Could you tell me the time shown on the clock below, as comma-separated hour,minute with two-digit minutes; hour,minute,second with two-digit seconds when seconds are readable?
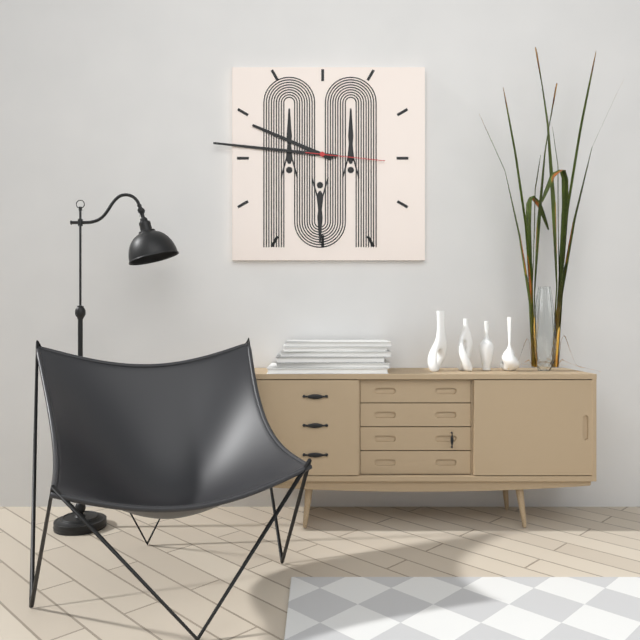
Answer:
9,46,16
